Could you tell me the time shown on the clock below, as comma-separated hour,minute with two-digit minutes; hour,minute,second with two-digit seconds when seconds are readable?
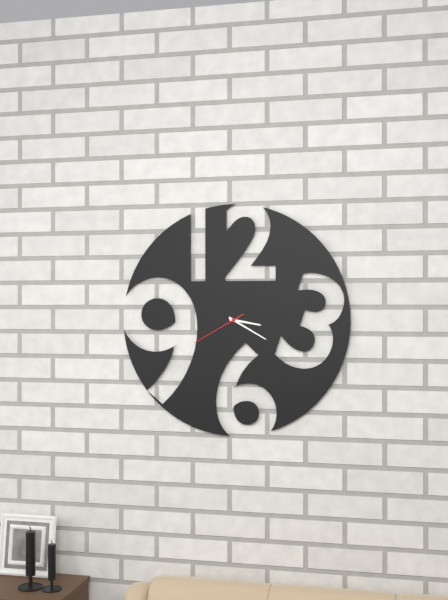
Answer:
3,20,40
